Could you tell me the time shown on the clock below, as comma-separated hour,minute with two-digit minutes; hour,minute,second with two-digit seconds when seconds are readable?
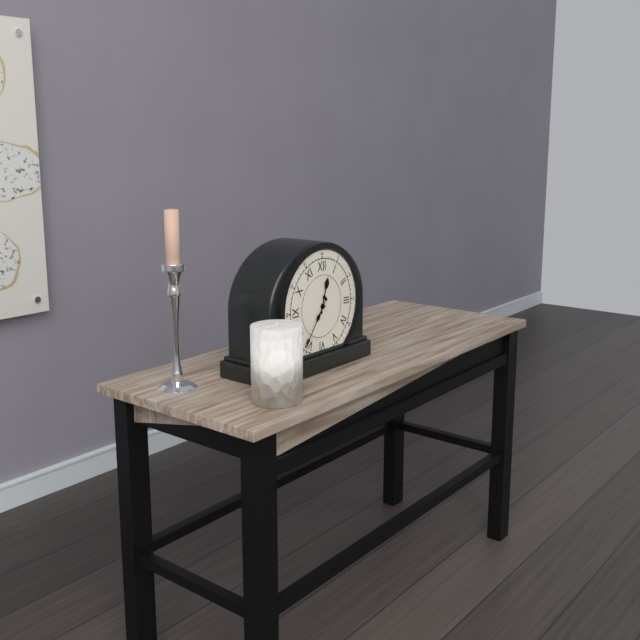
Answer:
12,36
